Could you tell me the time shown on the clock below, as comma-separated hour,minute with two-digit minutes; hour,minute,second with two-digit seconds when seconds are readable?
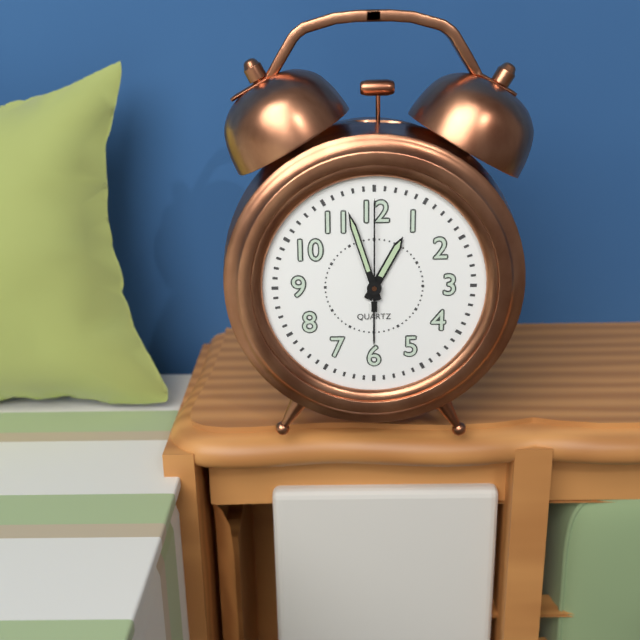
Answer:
12,57,00
